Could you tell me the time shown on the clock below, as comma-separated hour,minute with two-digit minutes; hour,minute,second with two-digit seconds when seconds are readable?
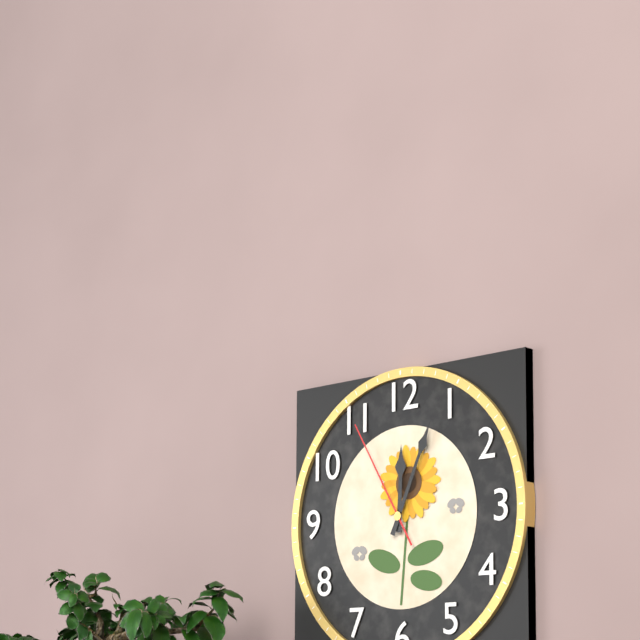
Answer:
12,04,55
